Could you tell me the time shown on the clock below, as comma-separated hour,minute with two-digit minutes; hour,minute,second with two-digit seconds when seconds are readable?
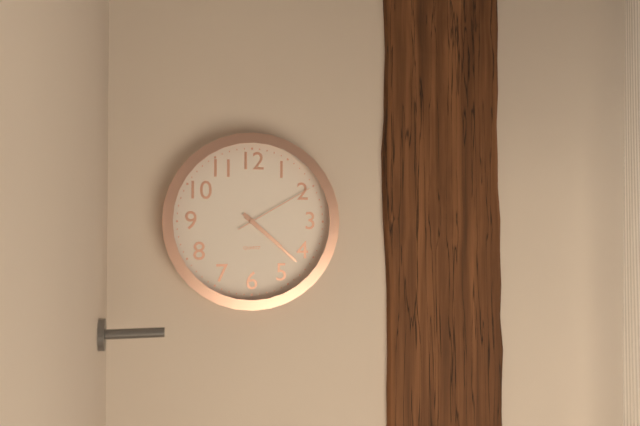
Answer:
4,22,10
